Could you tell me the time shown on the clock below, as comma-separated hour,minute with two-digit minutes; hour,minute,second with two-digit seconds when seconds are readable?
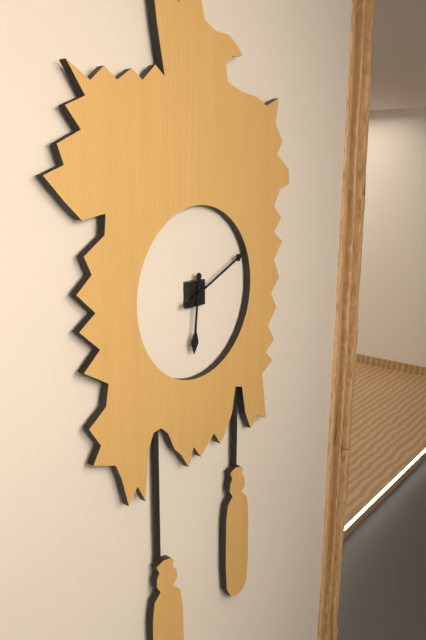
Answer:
6,11
